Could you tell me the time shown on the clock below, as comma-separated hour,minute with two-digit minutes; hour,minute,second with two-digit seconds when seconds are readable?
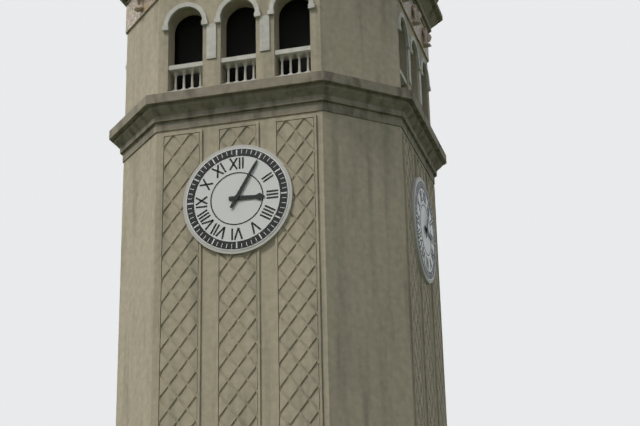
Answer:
3,05
